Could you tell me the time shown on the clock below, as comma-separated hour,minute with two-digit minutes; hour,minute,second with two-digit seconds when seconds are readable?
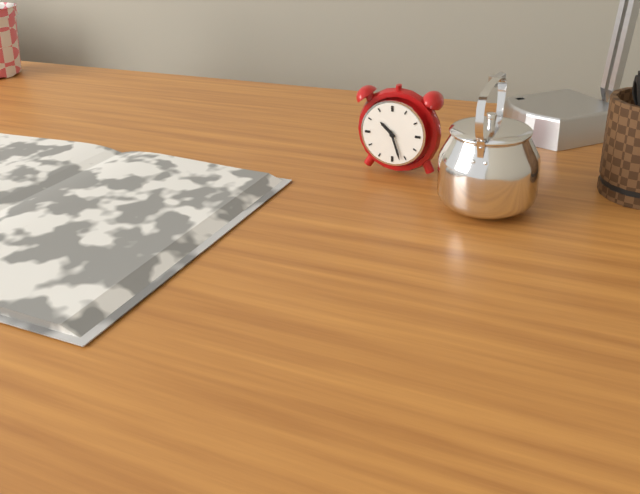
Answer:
10,27
